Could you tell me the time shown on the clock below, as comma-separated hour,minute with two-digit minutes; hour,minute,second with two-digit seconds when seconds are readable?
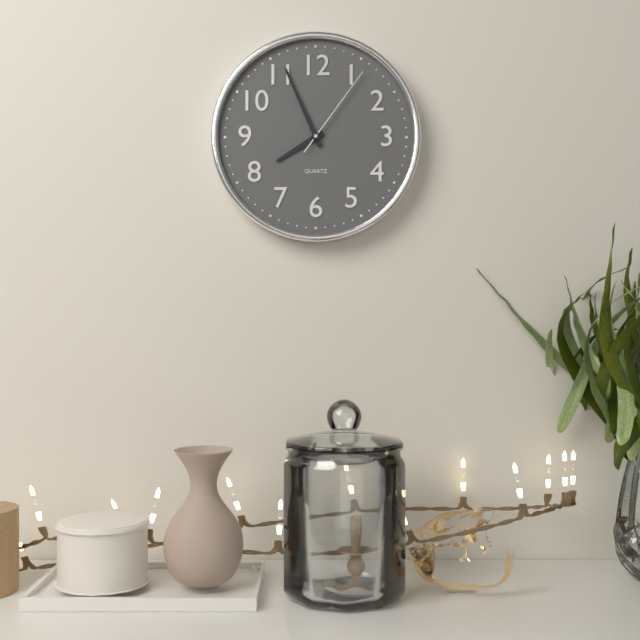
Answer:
7,56,06
